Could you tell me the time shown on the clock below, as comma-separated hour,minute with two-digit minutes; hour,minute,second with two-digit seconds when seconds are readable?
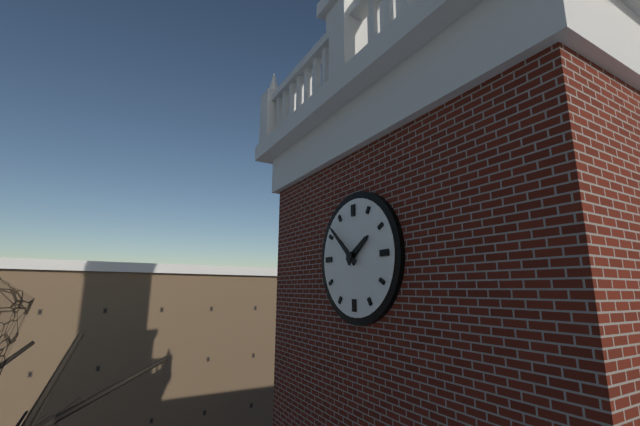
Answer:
1,52
